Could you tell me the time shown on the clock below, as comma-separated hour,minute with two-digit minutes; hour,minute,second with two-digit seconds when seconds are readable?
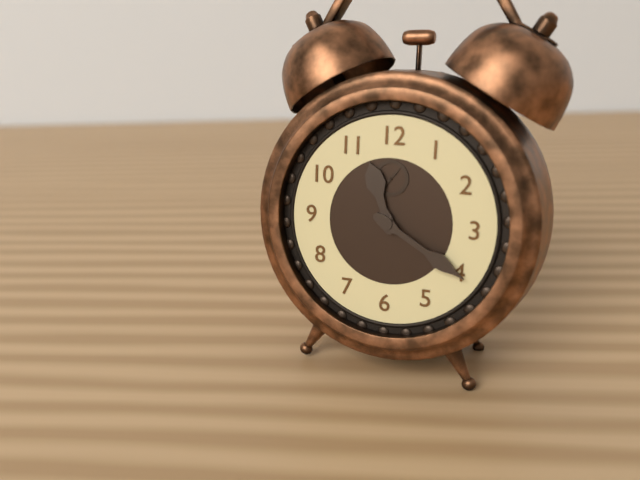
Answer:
11,20
